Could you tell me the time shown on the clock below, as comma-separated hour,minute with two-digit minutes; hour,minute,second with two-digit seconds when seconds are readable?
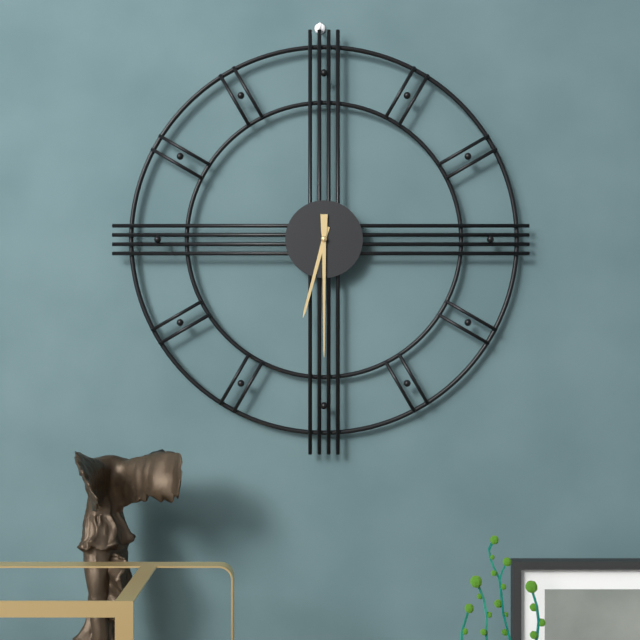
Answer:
6,30
